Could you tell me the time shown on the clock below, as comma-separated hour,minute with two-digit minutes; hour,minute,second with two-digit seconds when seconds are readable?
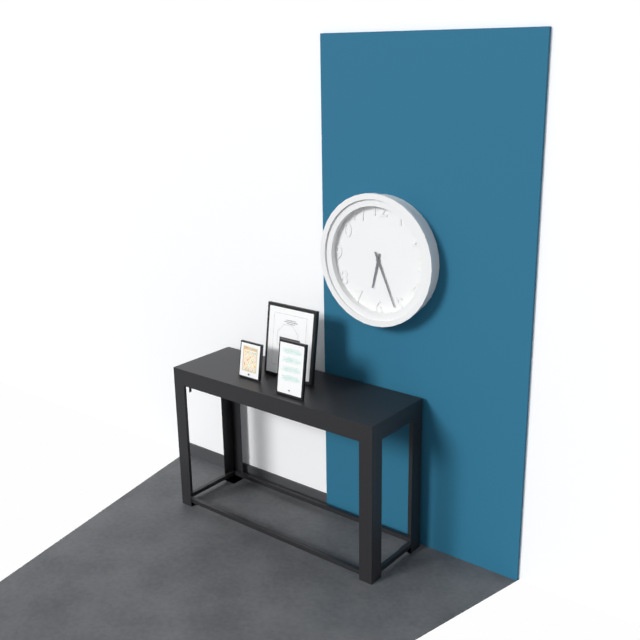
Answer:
6,26
